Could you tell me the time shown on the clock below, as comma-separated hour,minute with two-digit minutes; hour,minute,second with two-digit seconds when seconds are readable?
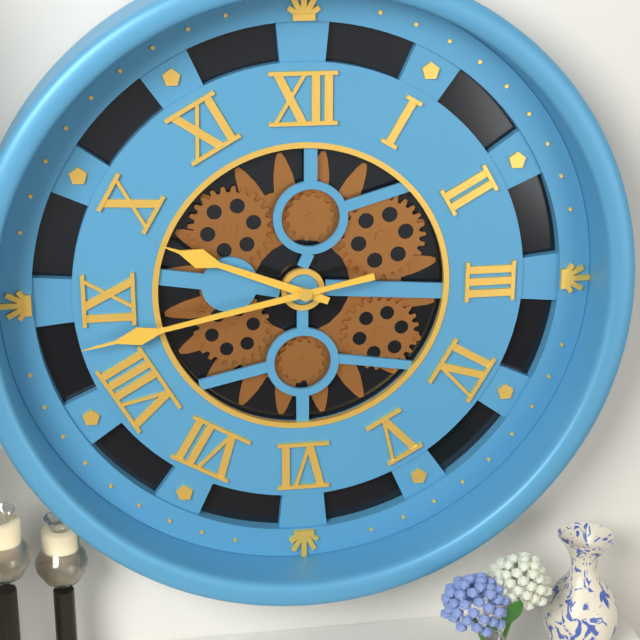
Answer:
9,43
